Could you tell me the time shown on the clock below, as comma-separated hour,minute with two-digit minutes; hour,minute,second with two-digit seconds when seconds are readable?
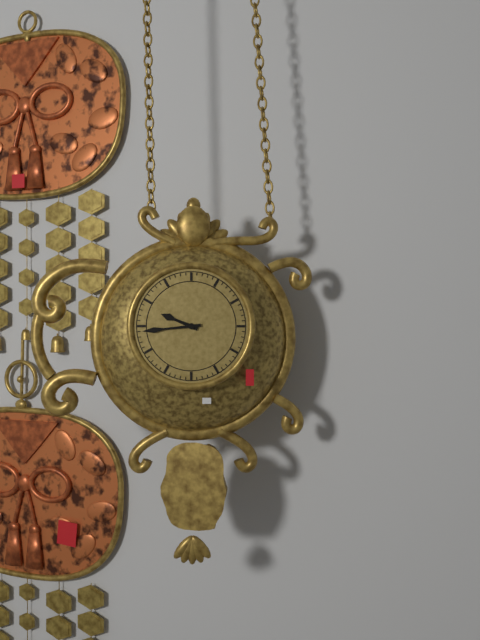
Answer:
9,44
